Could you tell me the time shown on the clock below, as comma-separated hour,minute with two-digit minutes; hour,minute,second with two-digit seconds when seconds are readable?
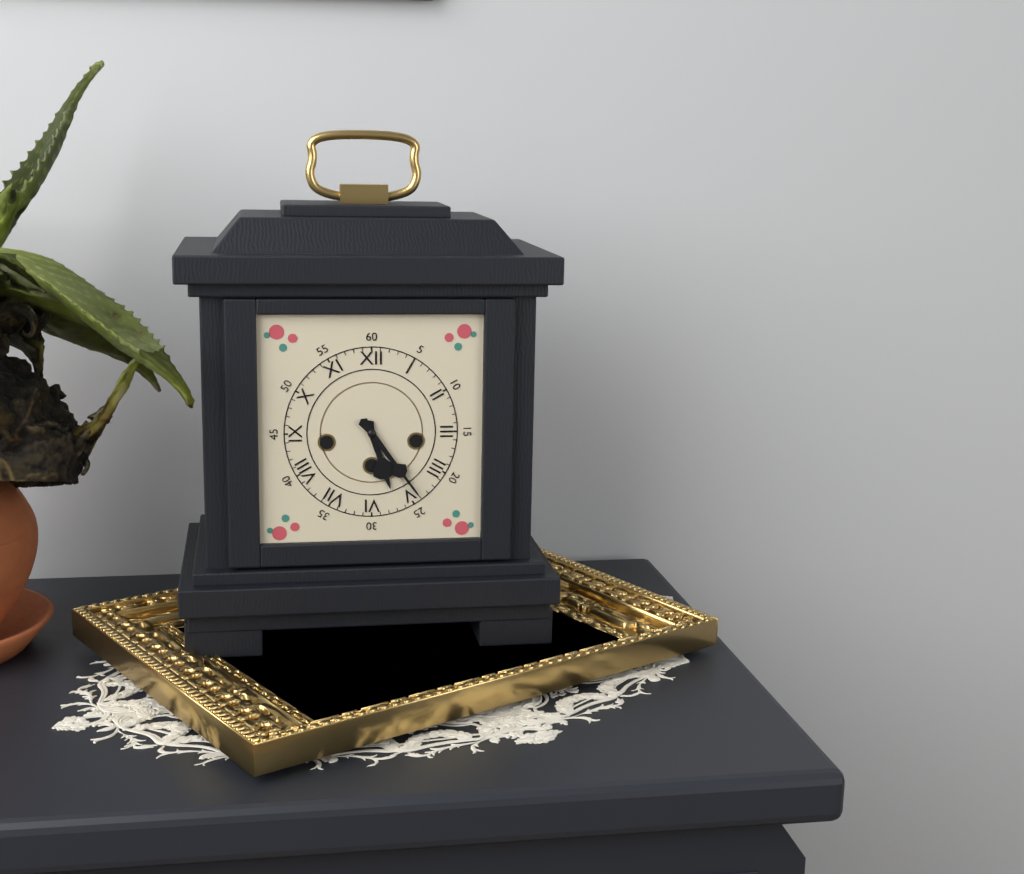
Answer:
5,24
